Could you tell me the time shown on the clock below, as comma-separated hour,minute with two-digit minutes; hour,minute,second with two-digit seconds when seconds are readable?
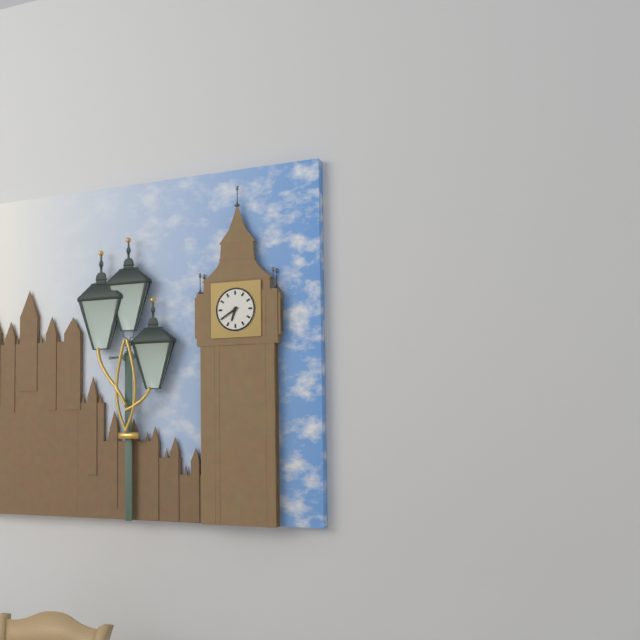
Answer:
6,40
